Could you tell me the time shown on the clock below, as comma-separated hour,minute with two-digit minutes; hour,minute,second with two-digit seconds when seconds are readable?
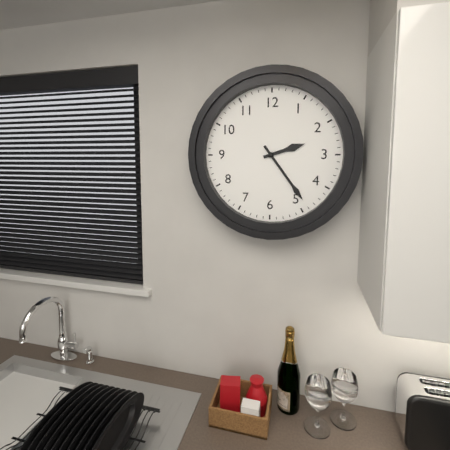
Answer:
2,24
